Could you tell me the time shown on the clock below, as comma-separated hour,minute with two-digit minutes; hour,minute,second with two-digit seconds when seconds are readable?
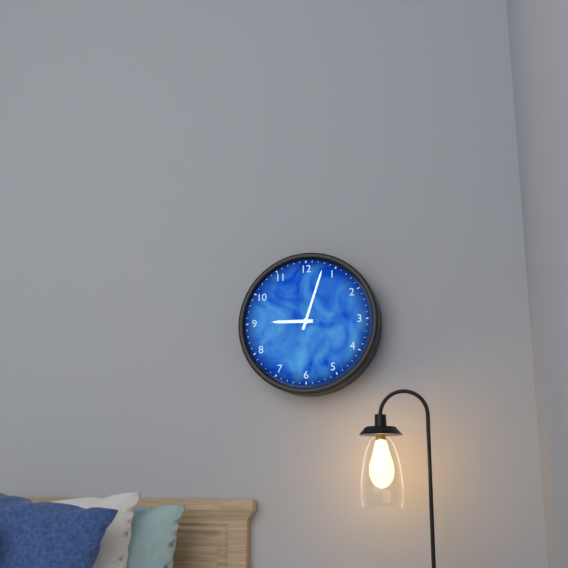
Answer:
9,03
